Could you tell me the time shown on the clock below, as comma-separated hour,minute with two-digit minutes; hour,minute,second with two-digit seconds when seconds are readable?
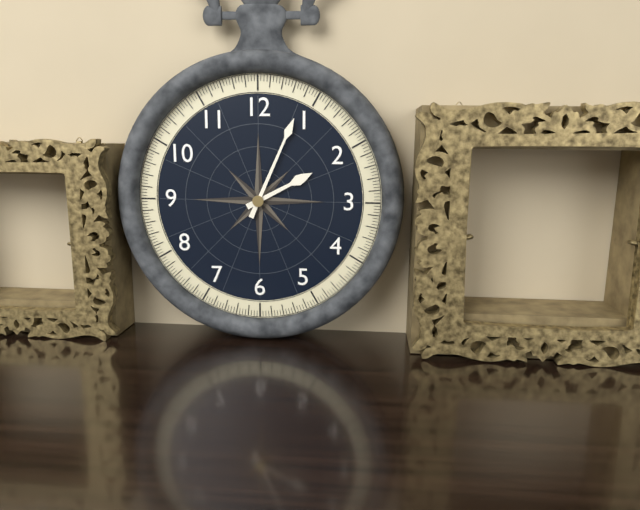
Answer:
2,04
